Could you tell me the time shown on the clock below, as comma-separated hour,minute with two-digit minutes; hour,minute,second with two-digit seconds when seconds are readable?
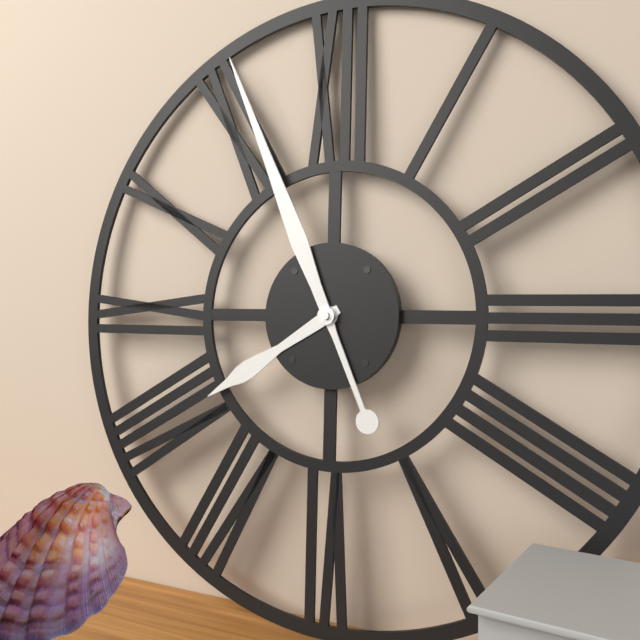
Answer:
7,56
